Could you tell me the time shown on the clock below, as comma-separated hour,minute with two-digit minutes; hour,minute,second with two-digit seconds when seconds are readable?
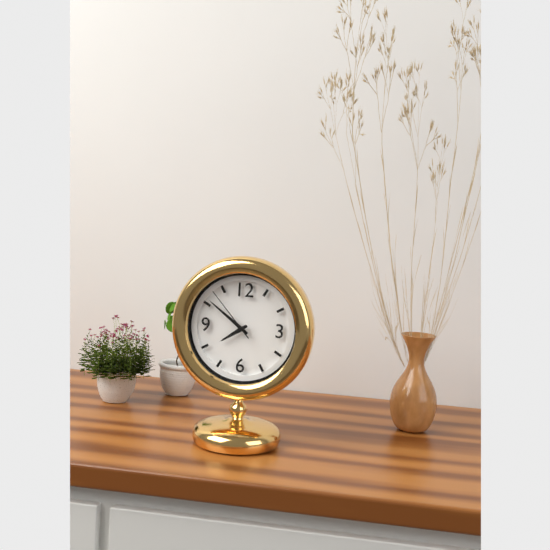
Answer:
7,51,53
